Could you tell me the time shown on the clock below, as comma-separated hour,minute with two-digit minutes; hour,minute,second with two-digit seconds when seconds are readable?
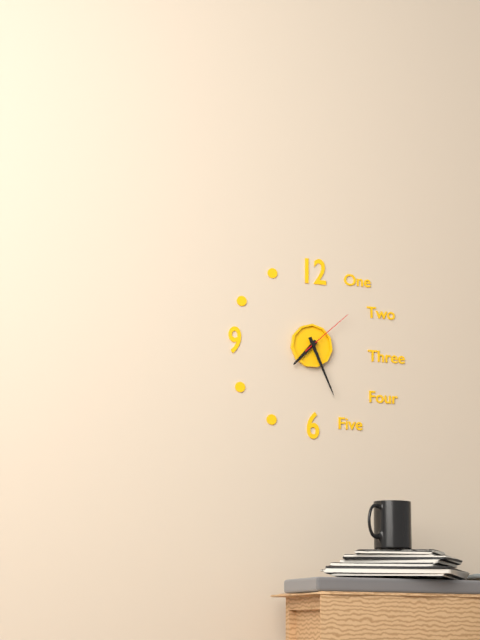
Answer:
7,26,08
